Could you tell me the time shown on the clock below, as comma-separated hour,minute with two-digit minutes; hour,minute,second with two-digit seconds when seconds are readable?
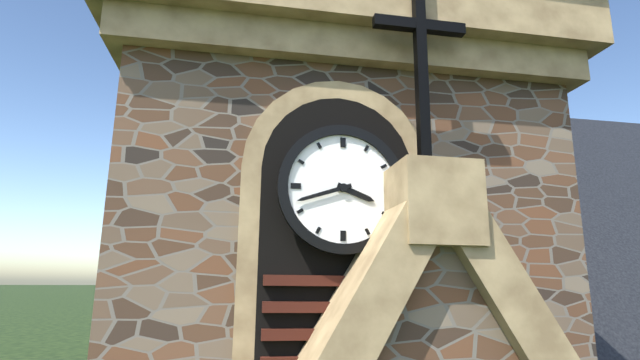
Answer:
3,42
